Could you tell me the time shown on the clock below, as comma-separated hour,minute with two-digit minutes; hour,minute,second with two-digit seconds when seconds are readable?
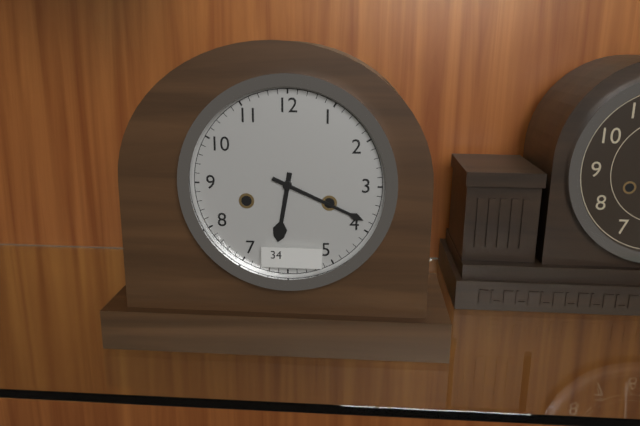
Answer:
6,19
